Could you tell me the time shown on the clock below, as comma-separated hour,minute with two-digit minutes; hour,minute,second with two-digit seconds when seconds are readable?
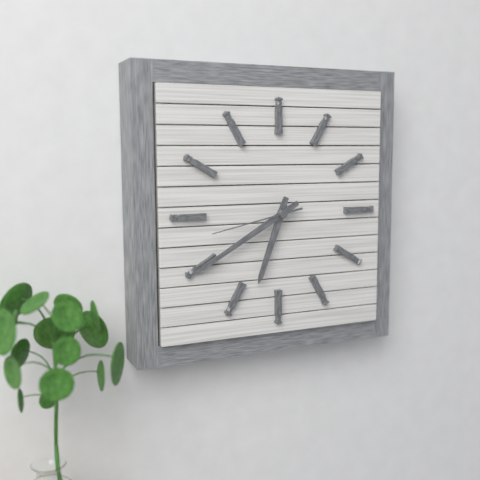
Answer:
6,40,43
